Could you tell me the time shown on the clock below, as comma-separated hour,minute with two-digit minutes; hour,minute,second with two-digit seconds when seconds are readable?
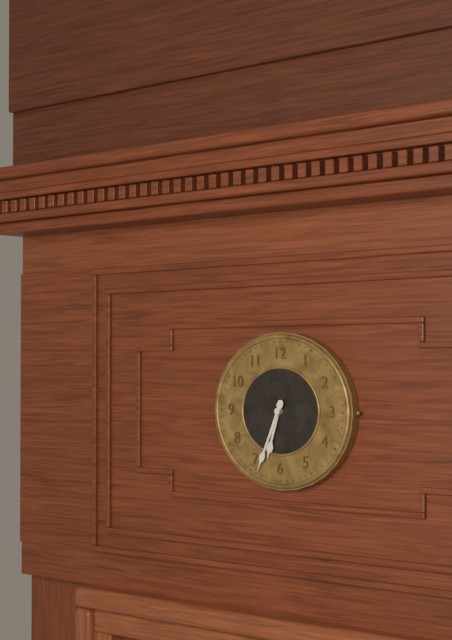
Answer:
6,34
